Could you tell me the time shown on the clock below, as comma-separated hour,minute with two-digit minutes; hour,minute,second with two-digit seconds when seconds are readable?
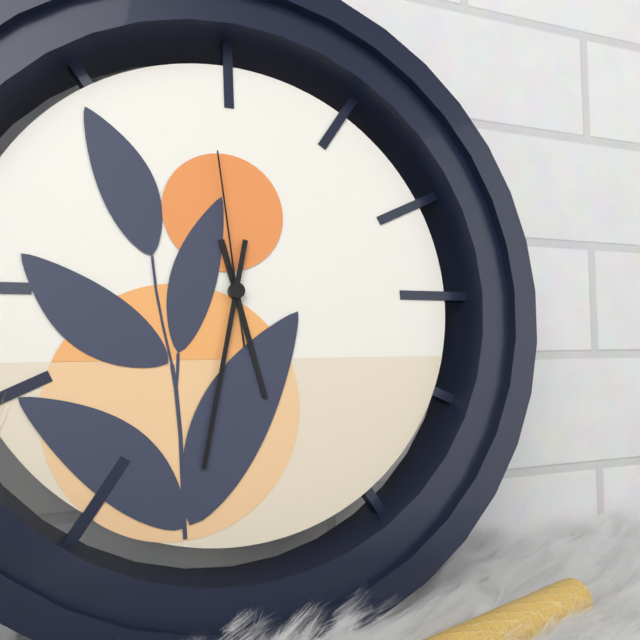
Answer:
5,32,59
